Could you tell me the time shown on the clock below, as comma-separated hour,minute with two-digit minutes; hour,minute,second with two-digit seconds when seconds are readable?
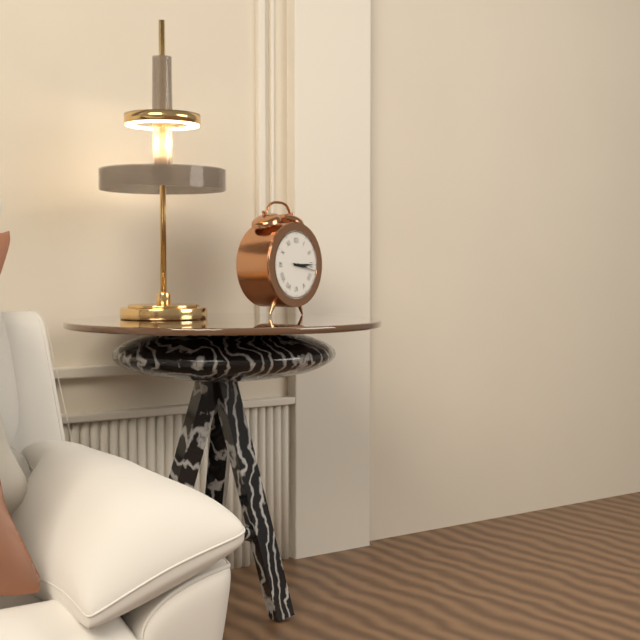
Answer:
3,15
